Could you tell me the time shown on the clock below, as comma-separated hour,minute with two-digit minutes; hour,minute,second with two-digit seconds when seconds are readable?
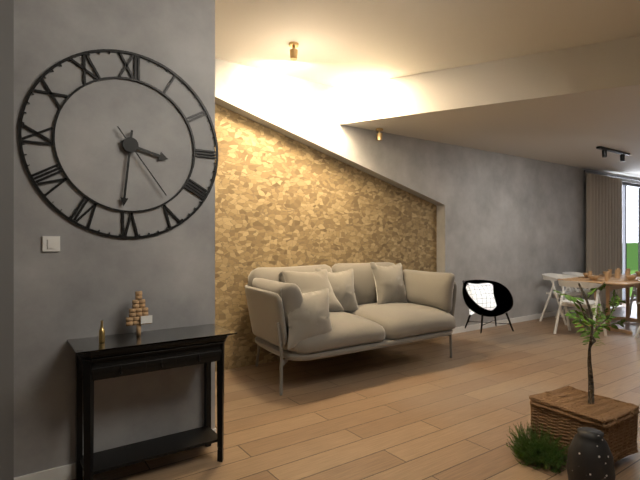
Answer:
3,31,24
